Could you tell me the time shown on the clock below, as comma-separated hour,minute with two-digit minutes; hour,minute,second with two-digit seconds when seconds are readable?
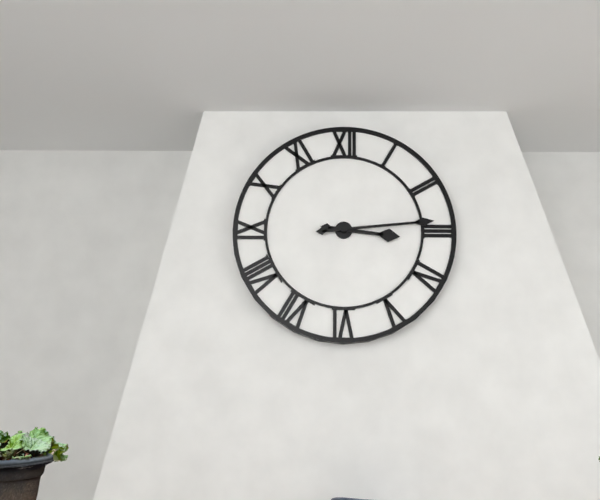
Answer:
3,14
